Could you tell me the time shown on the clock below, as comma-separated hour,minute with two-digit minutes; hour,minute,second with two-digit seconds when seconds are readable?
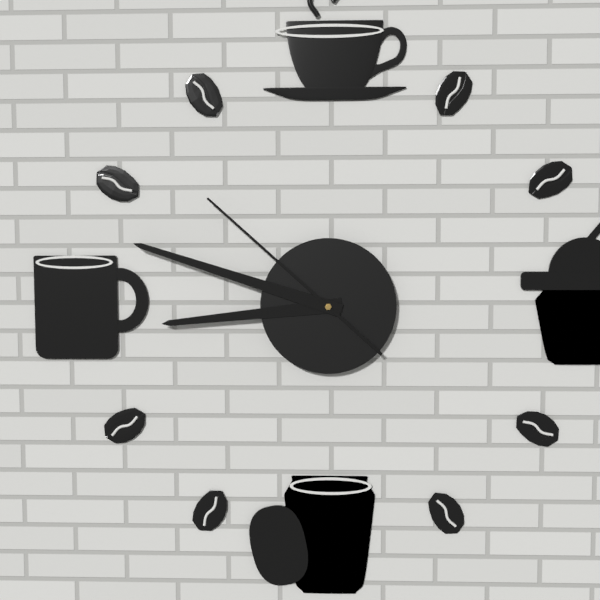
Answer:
8,48,52
